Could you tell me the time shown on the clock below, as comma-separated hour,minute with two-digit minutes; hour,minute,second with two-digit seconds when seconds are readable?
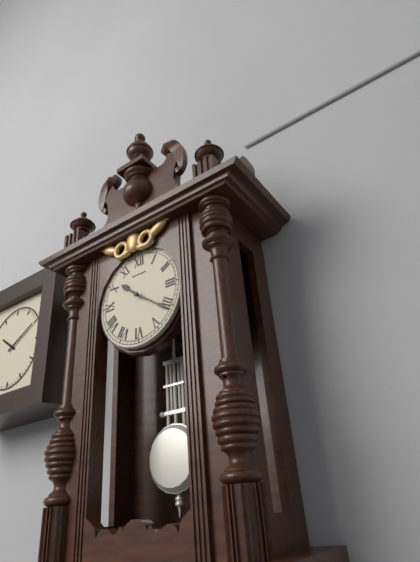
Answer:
10,21
